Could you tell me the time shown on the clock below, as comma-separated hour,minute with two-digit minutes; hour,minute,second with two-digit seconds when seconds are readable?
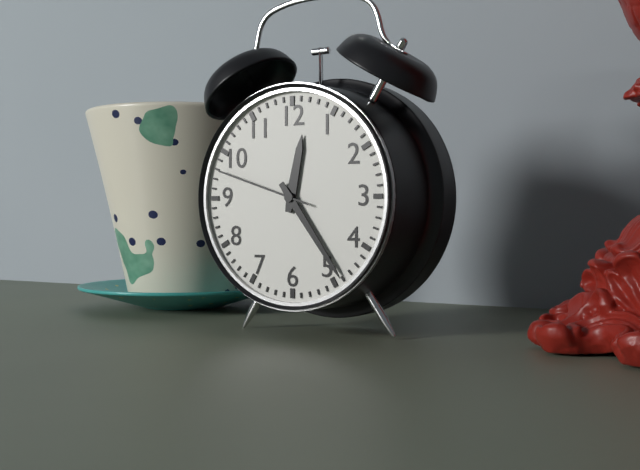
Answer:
12,24,48
